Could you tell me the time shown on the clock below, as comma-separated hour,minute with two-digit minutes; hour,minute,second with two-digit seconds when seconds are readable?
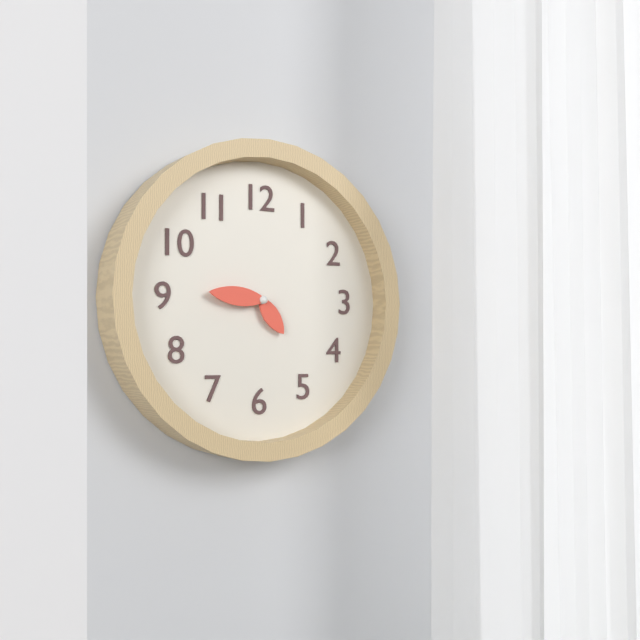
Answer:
4,46
